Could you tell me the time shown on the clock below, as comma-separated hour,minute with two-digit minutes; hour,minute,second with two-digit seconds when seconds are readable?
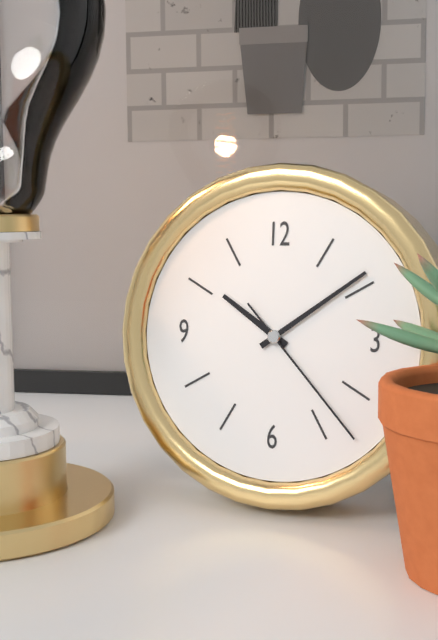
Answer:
10,09,23
